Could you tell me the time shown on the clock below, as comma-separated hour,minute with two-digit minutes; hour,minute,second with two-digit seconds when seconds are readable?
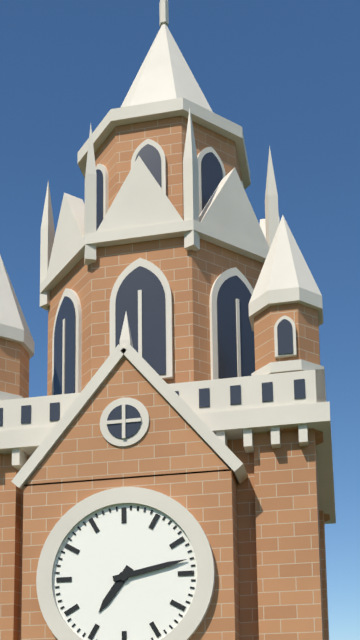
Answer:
7,13
